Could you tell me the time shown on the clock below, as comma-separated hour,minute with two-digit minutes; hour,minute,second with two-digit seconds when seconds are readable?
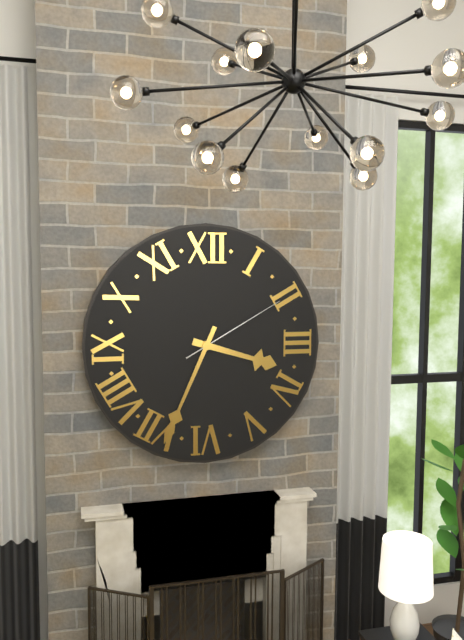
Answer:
3,34,10
